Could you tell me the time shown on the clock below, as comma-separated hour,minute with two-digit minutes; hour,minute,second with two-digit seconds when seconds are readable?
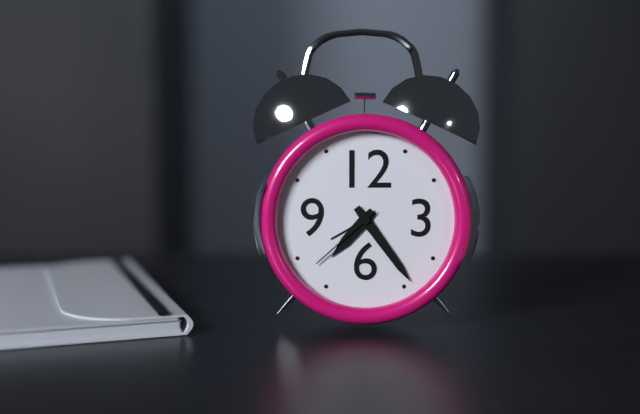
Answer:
7,24,38
